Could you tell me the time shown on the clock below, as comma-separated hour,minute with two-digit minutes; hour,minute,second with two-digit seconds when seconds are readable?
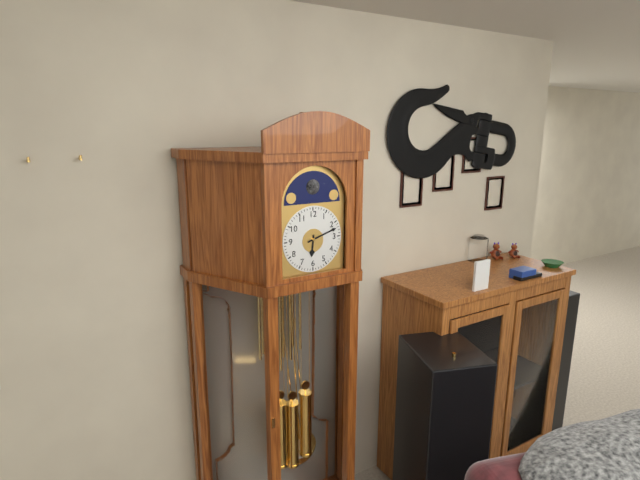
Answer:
6,12
